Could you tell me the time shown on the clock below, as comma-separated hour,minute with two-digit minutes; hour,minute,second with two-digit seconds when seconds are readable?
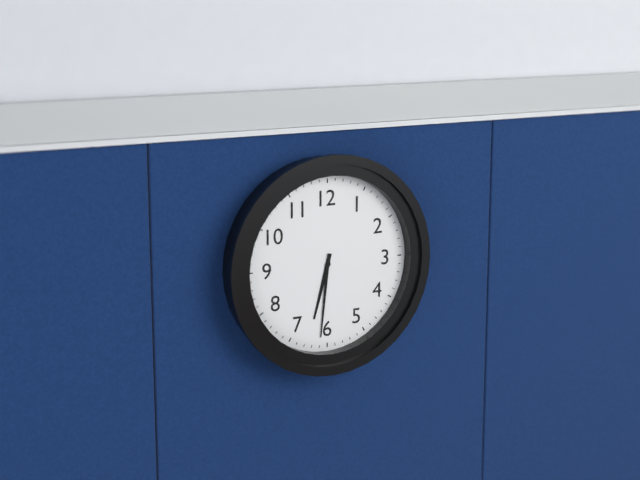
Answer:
6,31
